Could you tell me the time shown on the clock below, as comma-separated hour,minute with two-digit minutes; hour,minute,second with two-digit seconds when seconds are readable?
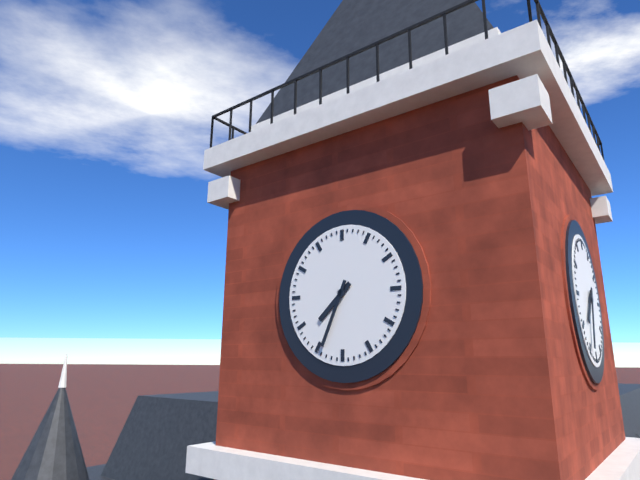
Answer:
7,34
